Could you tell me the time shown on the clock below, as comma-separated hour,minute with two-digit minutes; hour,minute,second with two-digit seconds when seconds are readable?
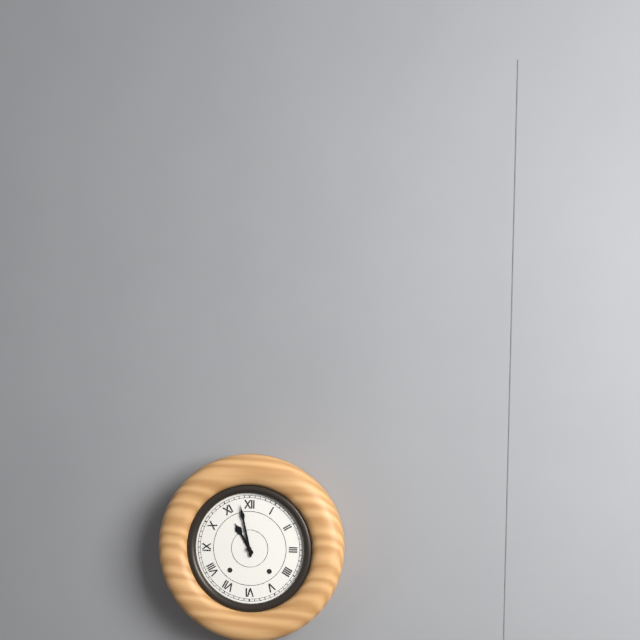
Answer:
10,58
